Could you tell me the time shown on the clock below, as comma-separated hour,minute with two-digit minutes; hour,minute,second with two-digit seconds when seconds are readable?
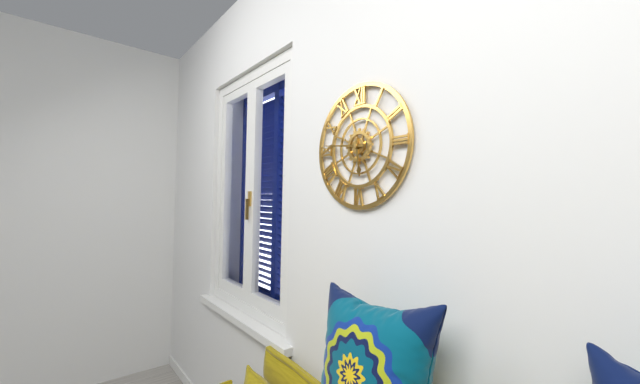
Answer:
5,46
